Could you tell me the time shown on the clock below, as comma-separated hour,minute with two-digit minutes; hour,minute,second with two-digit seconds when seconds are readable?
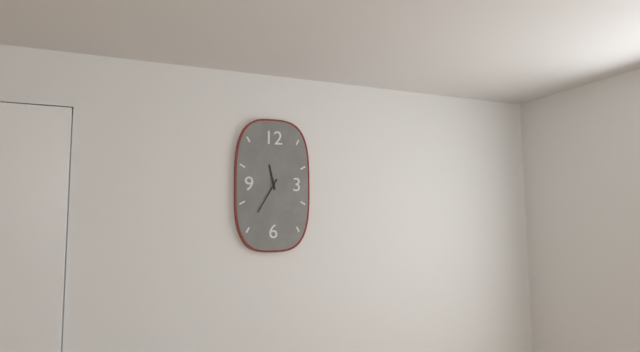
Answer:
11,35
